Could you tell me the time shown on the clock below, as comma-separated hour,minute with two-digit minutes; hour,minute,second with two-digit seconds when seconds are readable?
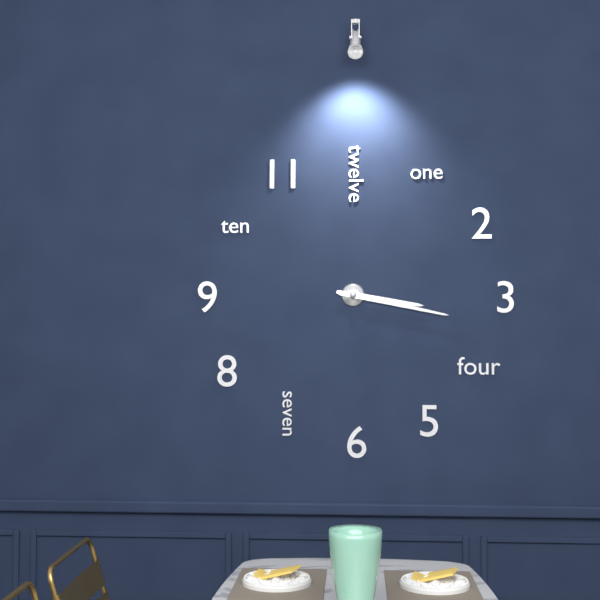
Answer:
3,17
